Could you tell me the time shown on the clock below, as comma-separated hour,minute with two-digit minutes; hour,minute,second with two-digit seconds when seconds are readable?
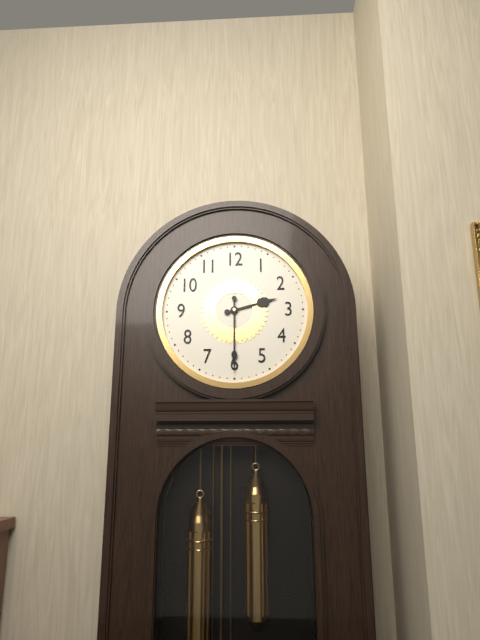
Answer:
2,30
